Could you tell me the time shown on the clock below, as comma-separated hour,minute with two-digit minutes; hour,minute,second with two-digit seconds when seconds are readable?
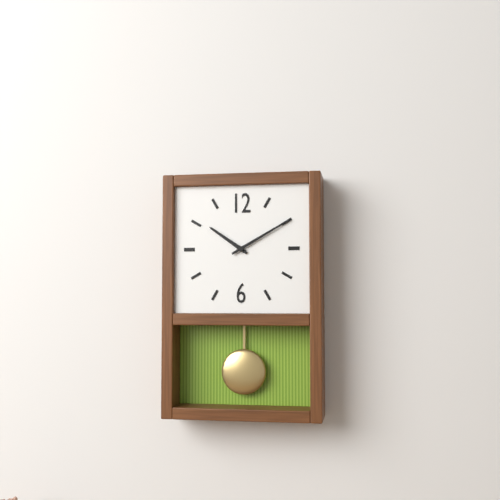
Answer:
10,10
